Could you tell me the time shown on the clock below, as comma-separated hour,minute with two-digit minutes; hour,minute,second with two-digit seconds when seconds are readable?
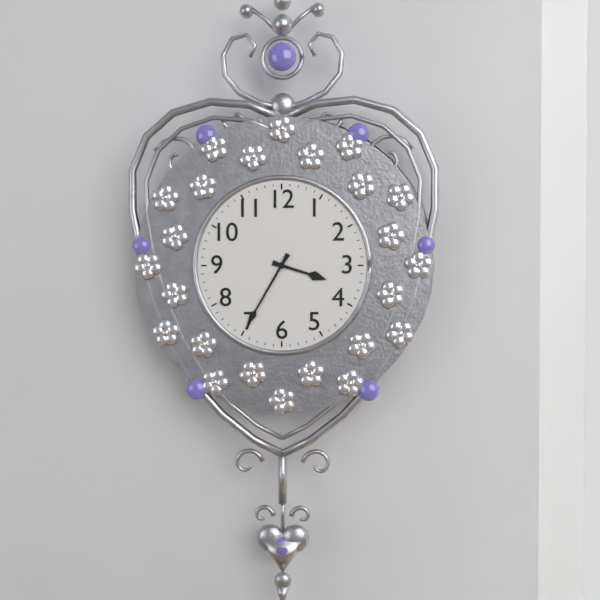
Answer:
3,35
